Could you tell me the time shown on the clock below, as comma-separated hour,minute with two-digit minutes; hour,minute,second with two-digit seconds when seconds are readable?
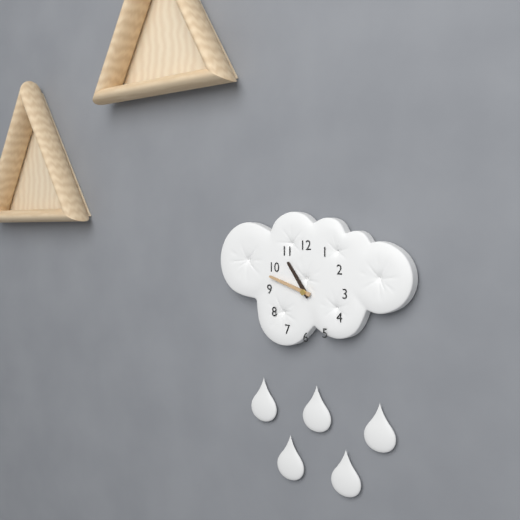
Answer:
10,48
